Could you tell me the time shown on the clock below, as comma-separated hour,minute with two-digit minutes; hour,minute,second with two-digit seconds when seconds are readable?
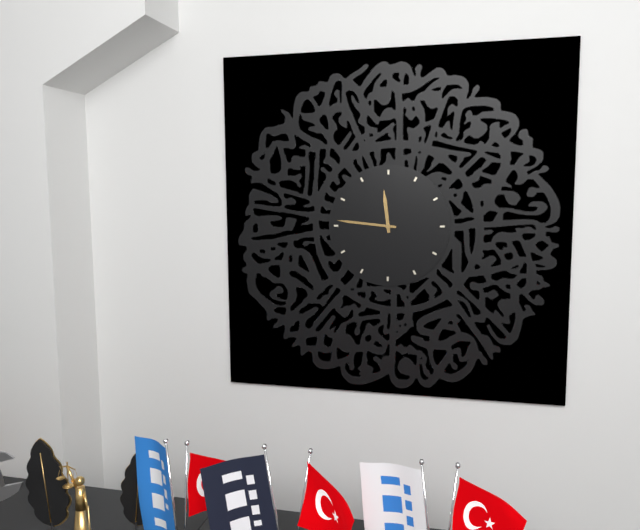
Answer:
11,46
